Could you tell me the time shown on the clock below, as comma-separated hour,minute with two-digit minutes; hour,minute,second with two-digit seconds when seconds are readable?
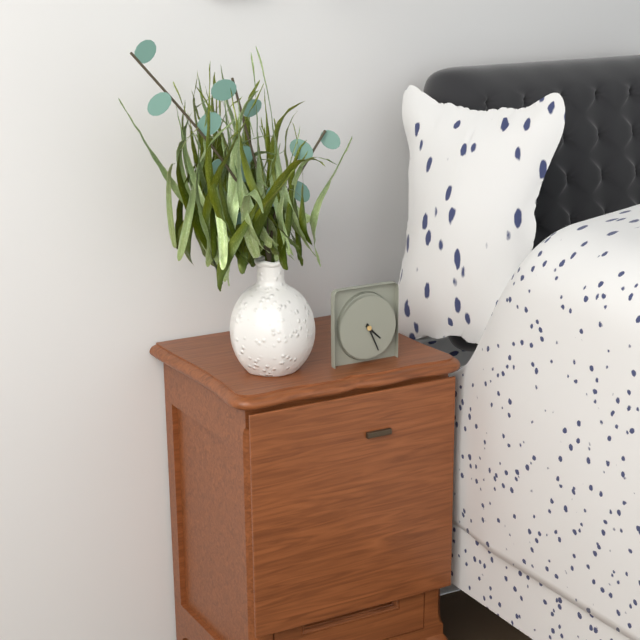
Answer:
4,26
